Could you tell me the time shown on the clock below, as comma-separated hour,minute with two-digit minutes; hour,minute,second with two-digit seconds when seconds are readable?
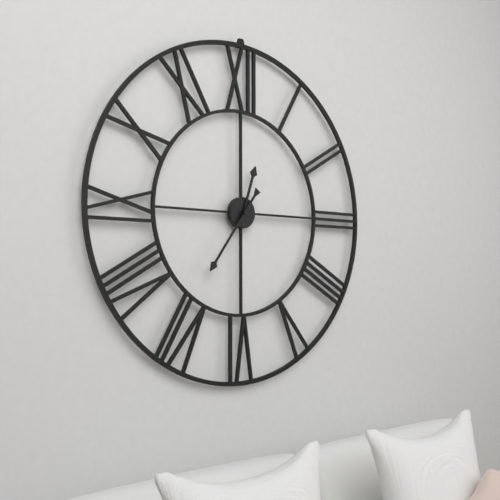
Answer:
12,36
